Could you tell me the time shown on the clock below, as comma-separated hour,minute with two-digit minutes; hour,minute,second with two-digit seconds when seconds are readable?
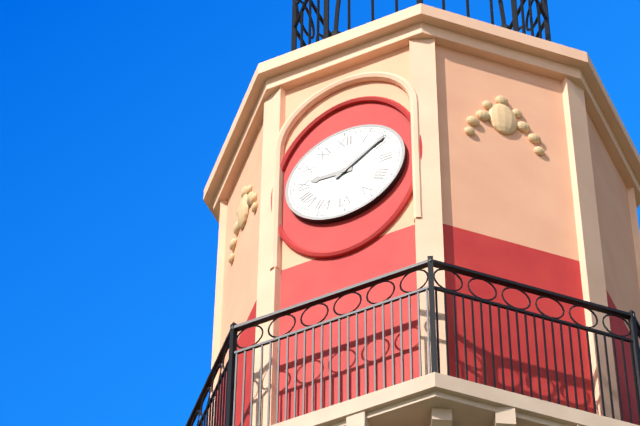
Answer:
9,09
